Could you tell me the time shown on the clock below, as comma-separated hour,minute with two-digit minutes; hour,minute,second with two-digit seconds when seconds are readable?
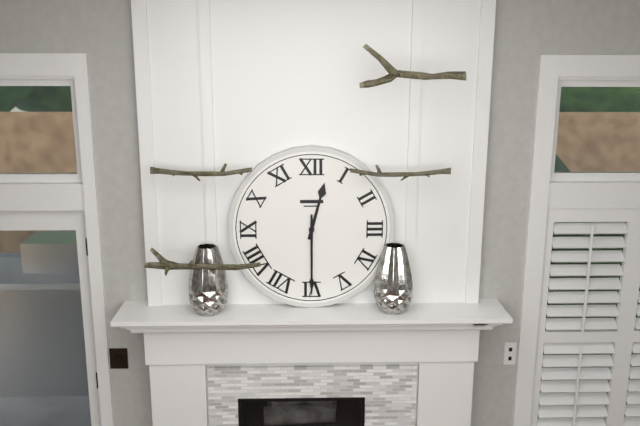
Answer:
12,30
